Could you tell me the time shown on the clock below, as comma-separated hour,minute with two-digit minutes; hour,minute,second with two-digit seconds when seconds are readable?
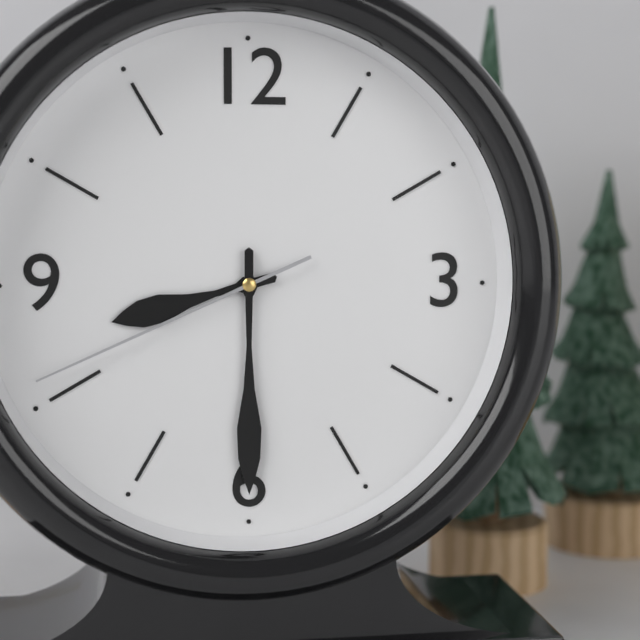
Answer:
8,30,41
